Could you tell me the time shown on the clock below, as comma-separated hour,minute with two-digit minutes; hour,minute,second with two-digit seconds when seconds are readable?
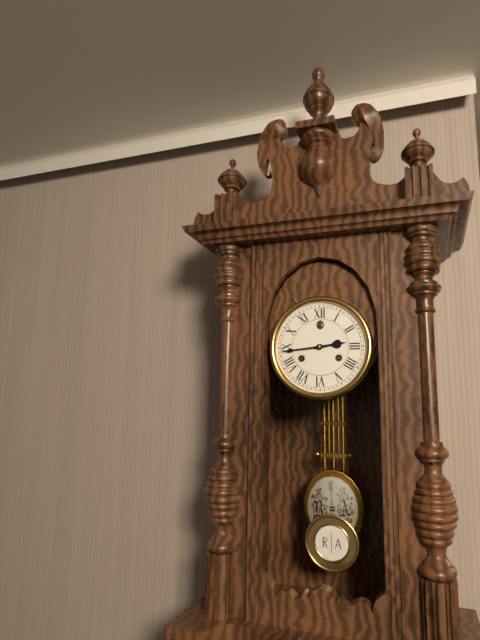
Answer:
2,44
